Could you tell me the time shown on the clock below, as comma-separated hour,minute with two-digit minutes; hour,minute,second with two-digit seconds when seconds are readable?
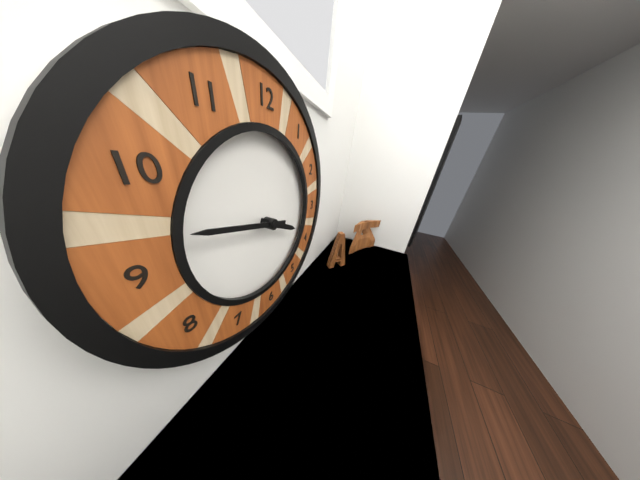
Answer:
3,47
